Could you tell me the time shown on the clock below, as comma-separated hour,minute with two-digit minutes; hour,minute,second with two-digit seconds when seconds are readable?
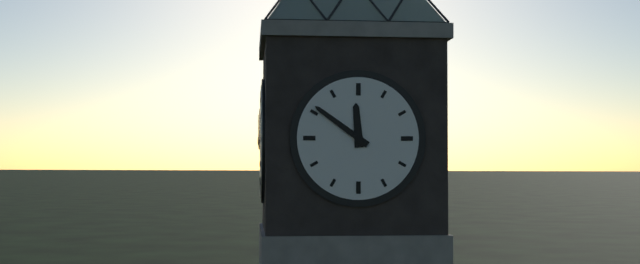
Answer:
11,51
